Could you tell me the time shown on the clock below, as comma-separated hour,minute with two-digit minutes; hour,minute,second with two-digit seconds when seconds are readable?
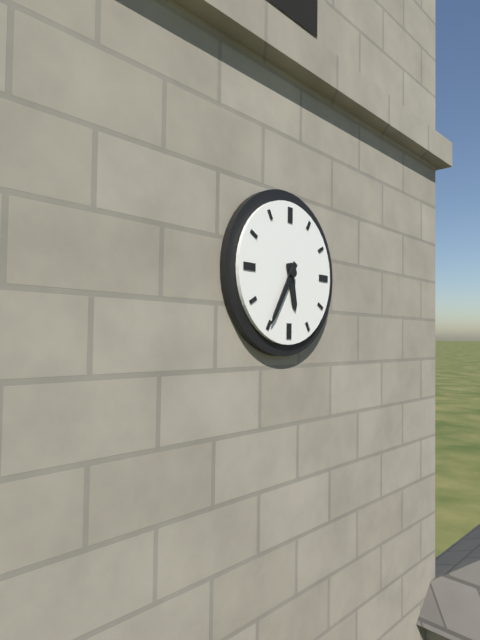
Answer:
5,35
